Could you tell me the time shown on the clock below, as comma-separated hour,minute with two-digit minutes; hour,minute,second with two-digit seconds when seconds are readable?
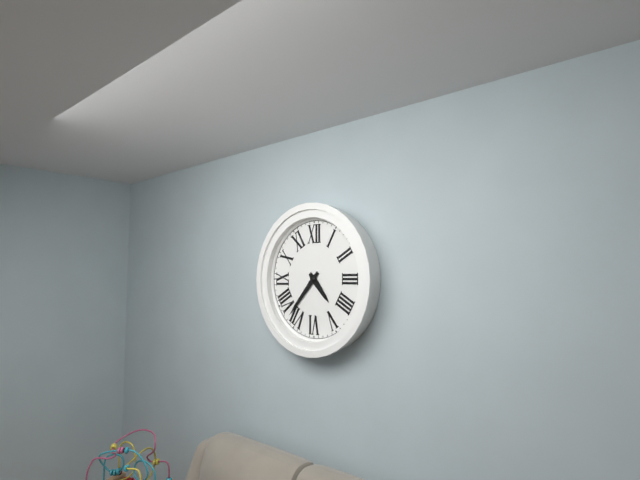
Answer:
4,37
